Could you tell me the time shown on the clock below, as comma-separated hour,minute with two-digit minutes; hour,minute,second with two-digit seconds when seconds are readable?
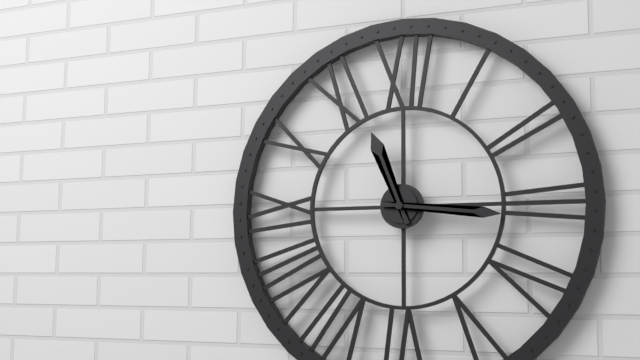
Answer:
11,16
